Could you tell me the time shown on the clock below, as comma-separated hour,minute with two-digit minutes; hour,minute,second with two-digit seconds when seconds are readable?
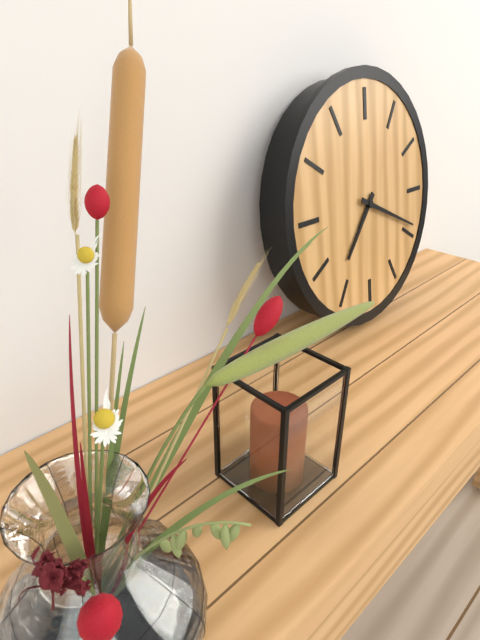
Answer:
7,19
